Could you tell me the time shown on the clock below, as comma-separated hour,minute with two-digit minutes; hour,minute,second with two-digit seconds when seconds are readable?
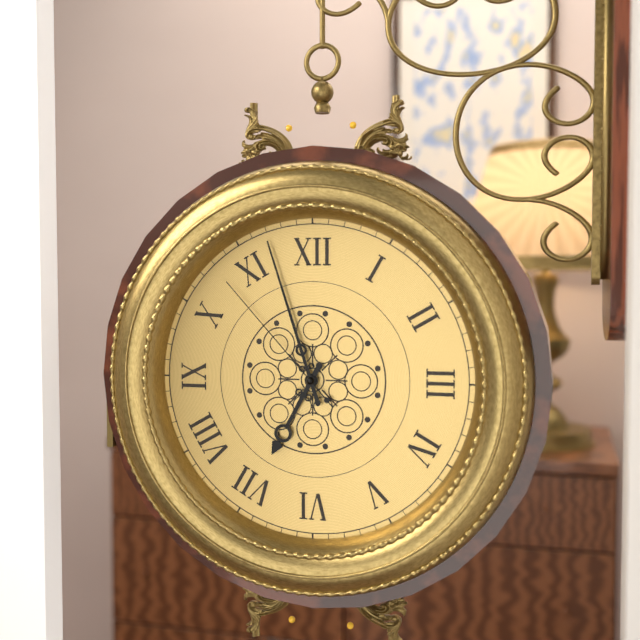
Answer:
6,57,53
